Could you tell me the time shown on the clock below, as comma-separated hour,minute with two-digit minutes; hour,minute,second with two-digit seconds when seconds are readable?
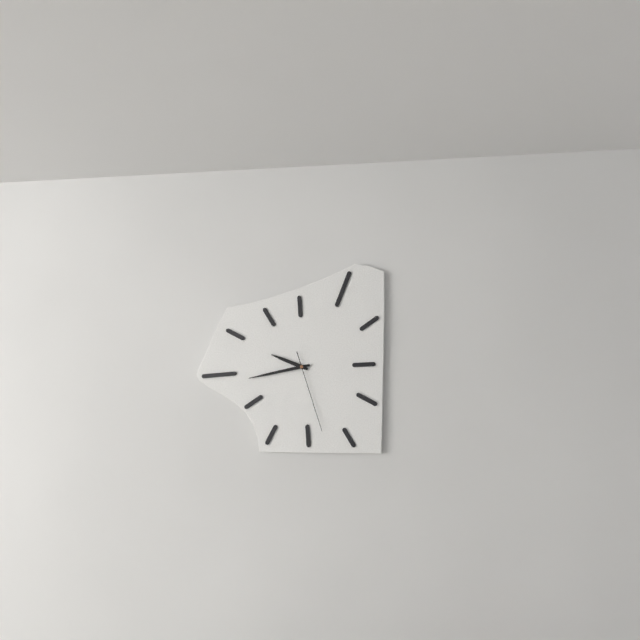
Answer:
9,43,27
